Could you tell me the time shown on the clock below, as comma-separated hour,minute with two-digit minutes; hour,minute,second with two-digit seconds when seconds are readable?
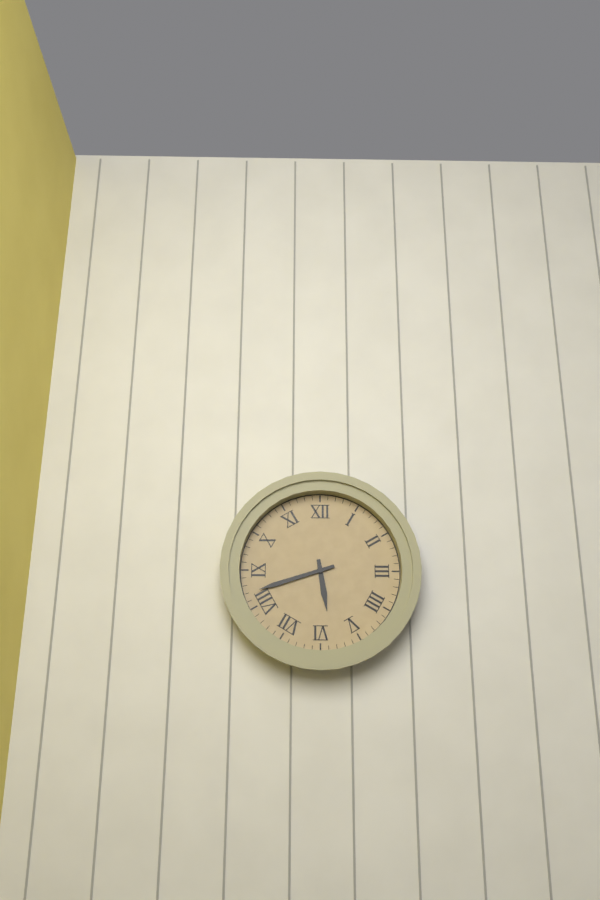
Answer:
5,42
